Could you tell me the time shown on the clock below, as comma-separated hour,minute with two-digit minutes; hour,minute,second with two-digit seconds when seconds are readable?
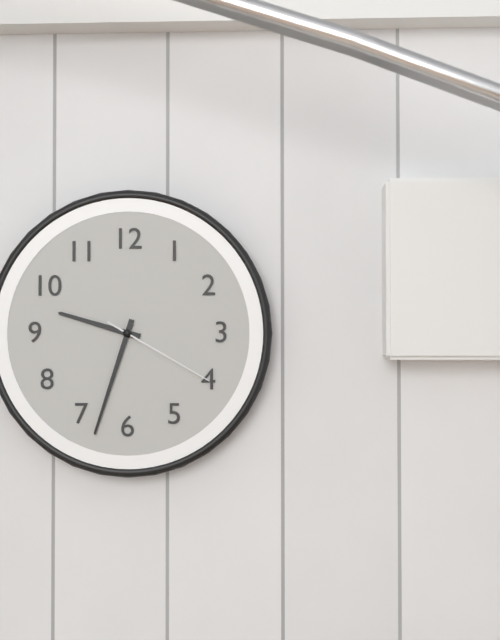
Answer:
9,33,20
